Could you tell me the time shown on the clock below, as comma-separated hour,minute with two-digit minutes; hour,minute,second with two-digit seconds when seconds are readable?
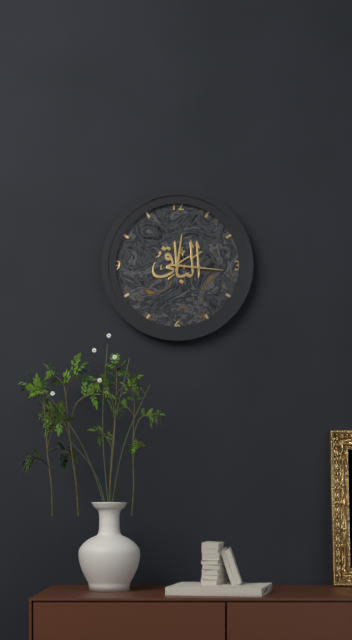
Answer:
12,16
